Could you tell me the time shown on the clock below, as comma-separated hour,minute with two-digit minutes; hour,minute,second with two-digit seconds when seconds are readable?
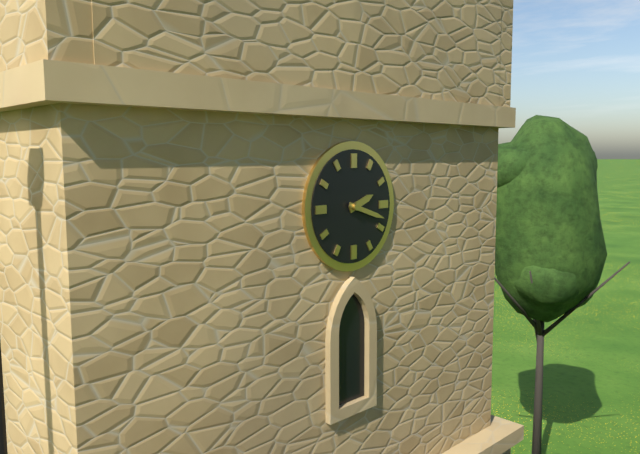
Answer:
2,18
